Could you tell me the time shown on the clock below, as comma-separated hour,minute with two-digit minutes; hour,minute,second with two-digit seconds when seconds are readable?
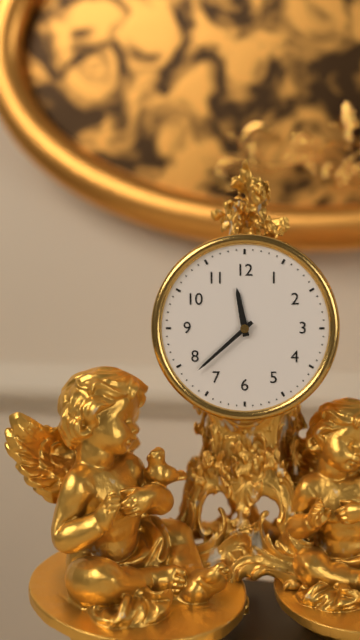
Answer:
11,38
